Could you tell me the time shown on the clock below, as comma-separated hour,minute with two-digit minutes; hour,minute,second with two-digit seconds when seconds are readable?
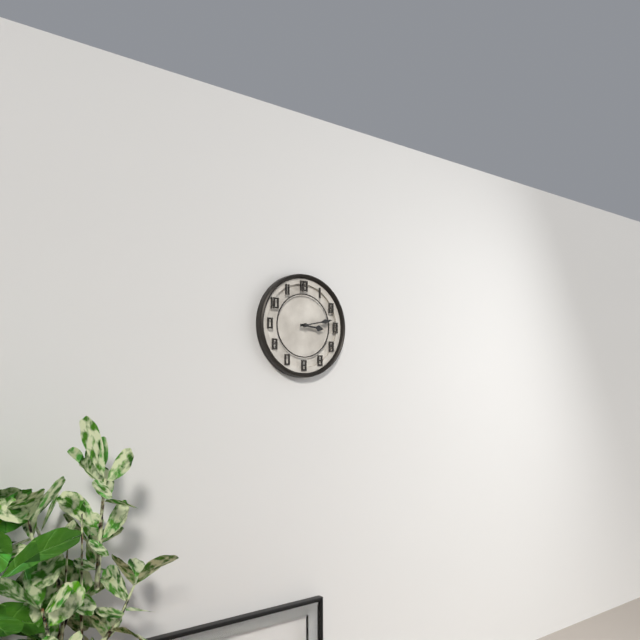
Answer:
3,13
